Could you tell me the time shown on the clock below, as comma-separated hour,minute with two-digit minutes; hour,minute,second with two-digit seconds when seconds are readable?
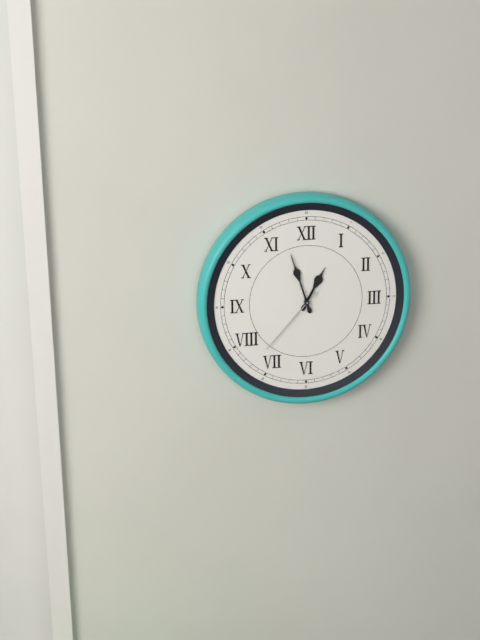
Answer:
12,57,37
